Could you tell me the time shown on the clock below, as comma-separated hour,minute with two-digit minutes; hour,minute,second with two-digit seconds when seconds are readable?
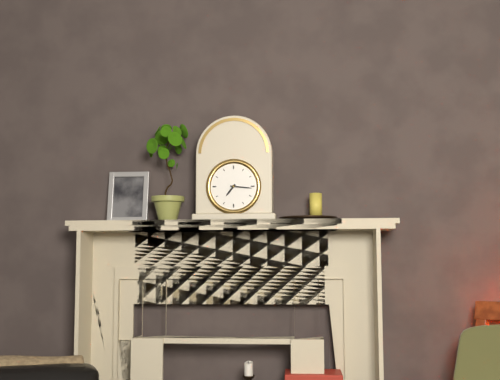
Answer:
7,16
